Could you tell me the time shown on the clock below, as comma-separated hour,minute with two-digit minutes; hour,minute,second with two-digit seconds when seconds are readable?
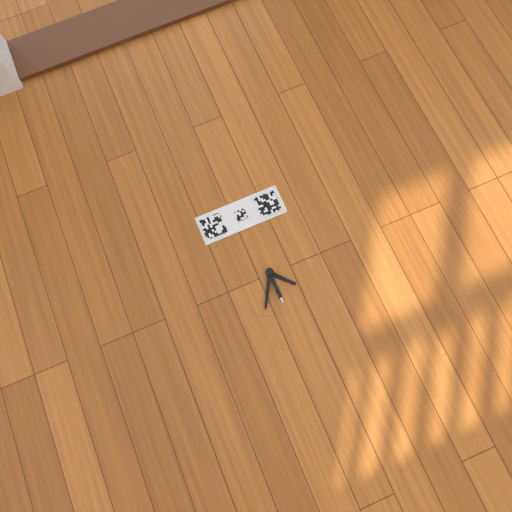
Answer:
4,35
